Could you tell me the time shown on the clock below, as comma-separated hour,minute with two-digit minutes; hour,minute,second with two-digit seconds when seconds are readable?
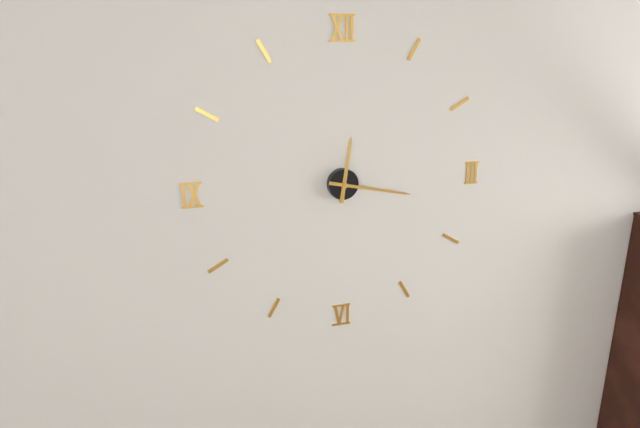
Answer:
12,17
